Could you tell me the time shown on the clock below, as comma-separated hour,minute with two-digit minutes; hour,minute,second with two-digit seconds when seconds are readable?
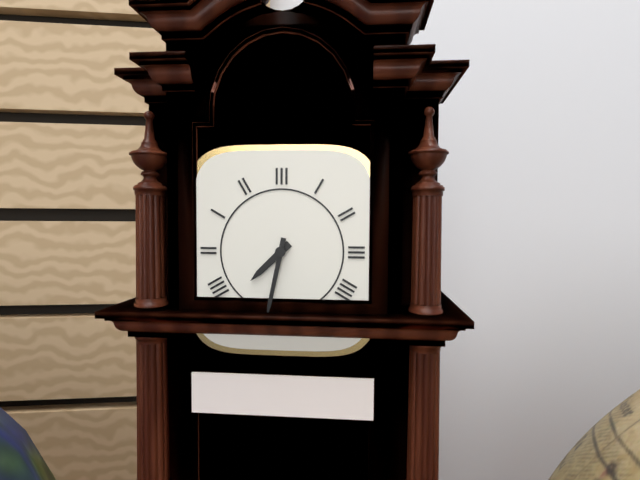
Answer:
7,32
